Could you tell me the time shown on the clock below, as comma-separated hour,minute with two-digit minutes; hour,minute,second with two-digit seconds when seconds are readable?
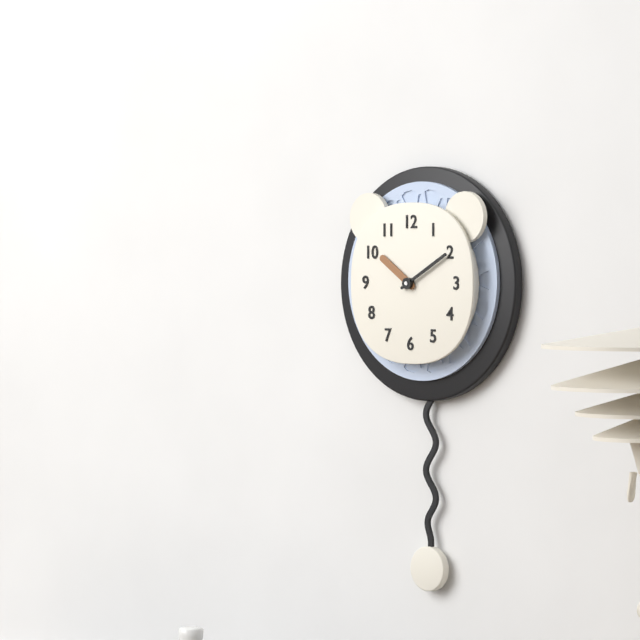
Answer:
10,10
